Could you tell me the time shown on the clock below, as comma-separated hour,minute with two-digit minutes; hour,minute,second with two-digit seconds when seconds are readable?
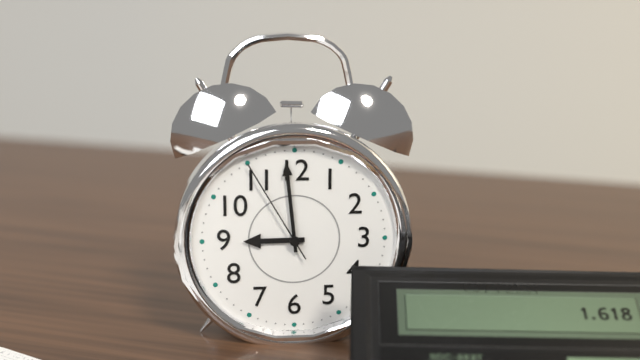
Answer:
8,59,55
